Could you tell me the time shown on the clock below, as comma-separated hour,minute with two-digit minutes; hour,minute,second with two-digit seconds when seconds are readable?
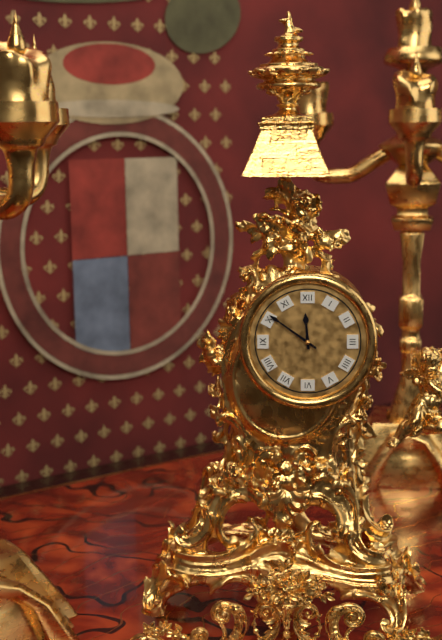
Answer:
11,51
